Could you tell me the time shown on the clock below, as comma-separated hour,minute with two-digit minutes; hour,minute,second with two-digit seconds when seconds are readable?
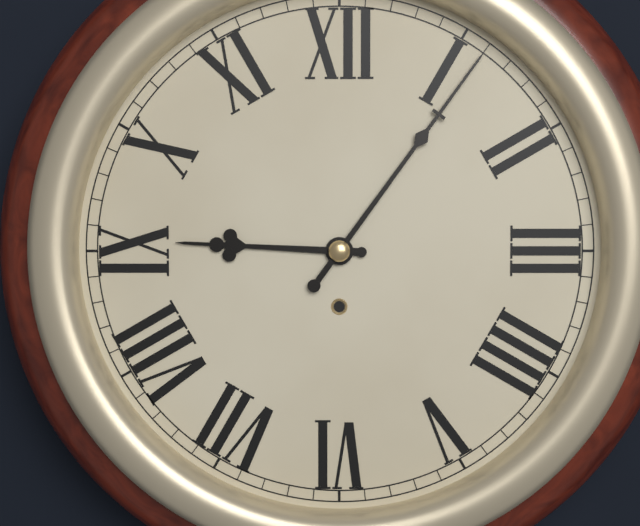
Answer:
9,06
